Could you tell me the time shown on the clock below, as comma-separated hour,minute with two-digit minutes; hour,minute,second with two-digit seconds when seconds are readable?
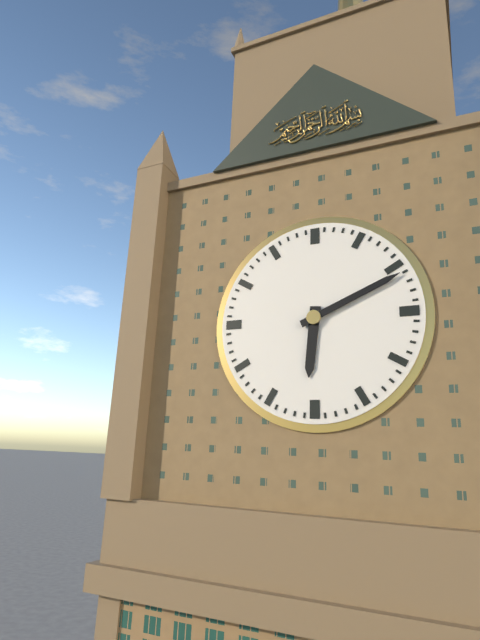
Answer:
6,11
